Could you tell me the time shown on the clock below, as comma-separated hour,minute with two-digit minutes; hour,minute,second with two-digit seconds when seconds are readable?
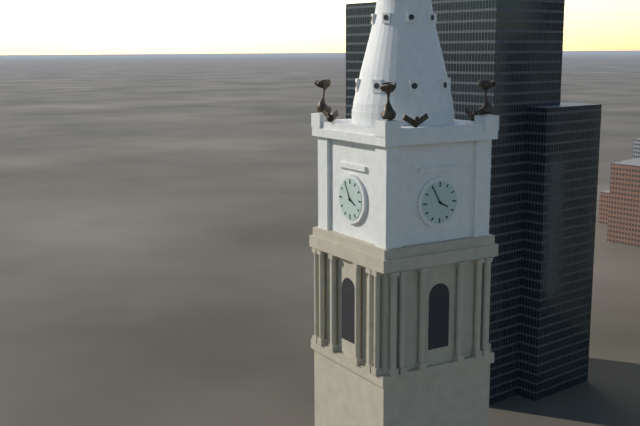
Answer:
3,55
